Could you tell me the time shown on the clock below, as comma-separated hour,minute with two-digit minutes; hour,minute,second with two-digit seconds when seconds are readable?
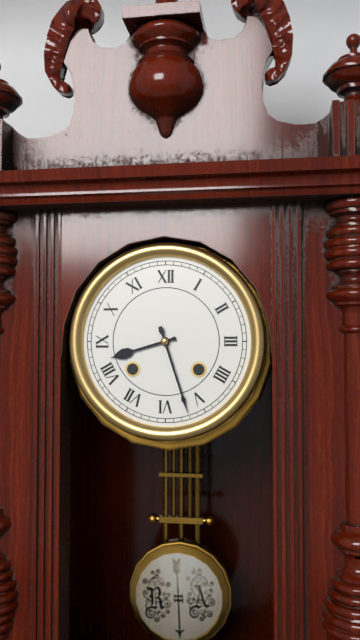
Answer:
8,27
